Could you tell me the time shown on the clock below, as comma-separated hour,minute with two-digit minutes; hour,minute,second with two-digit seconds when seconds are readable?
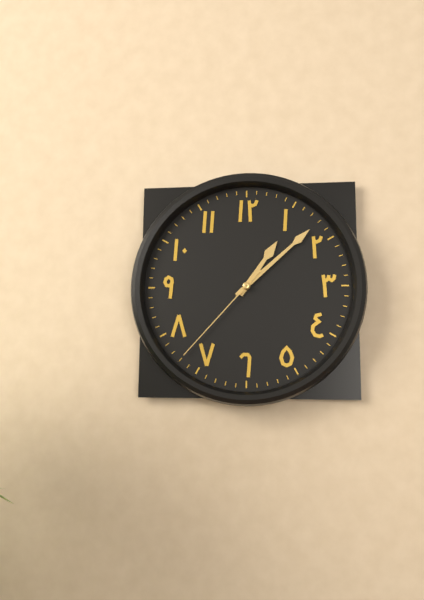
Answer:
1,08,37
